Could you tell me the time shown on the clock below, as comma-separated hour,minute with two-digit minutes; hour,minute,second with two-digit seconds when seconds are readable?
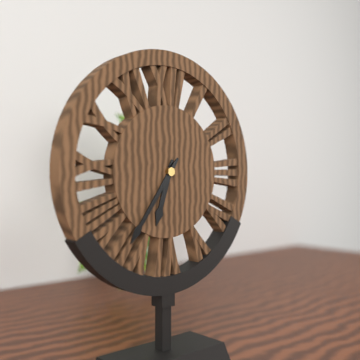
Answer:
6,36
